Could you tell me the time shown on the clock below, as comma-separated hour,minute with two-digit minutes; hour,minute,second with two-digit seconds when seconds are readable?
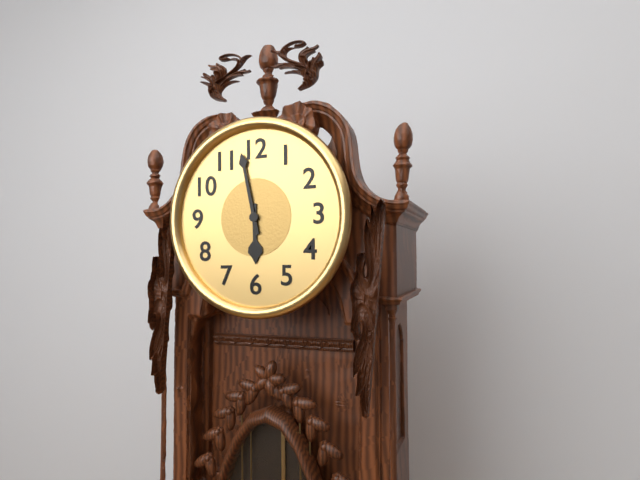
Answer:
5,58
